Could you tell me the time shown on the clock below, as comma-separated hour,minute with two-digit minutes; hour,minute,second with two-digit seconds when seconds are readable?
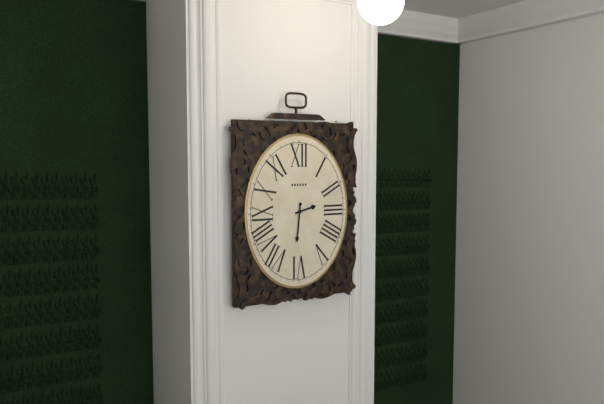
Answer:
2,31
